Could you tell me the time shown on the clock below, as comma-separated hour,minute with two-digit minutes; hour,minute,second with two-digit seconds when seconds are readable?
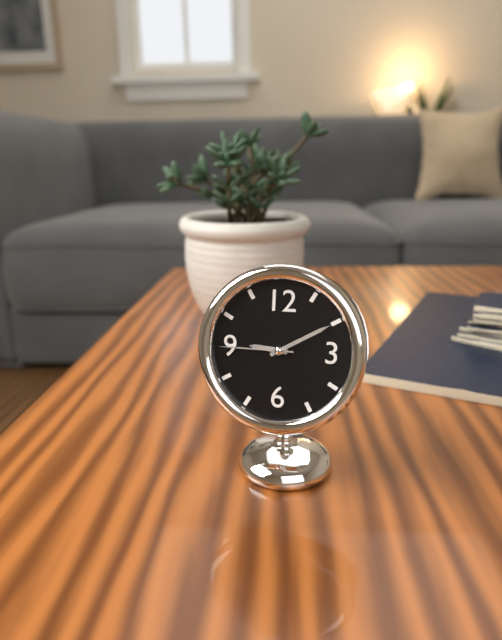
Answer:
9,10,45
